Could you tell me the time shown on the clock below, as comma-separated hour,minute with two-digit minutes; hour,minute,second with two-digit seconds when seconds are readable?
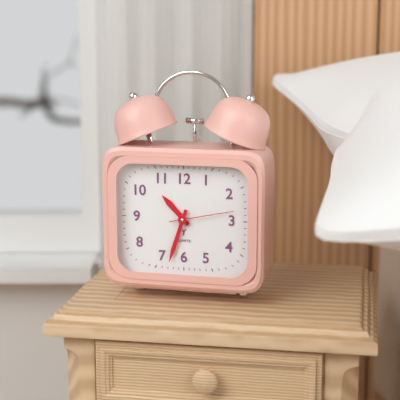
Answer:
10,33,13
